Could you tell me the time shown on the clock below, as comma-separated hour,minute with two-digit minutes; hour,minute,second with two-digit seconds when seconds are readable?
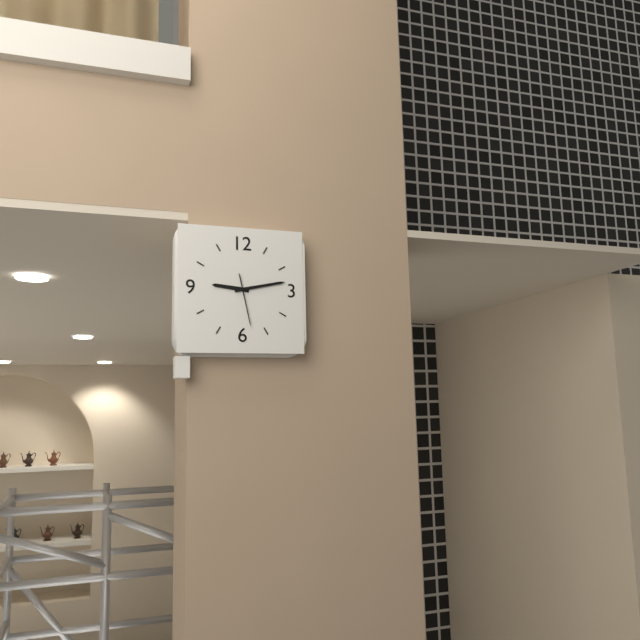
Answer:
9,13
